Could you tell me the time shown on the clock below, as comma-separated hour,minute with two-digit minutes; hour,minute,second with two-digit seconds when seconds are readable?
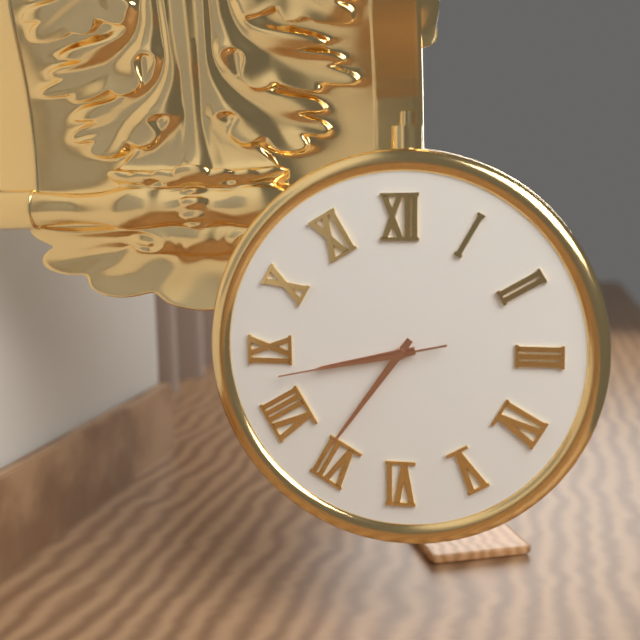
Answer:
8,36,43
